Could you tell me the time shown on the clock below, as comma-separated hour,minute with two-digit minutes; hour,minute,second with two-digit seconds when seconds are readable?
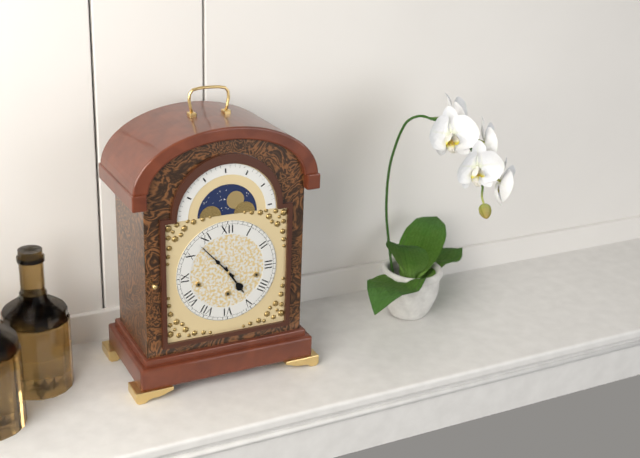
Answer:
4,53
